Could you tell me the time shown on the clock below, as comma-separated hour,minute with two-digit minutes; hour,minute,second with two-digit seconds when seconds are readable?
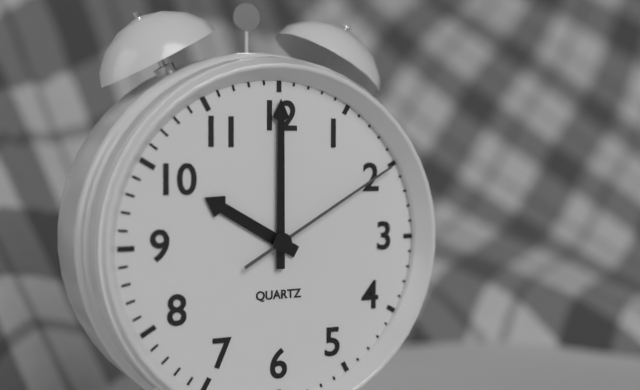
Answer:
10,00,10
